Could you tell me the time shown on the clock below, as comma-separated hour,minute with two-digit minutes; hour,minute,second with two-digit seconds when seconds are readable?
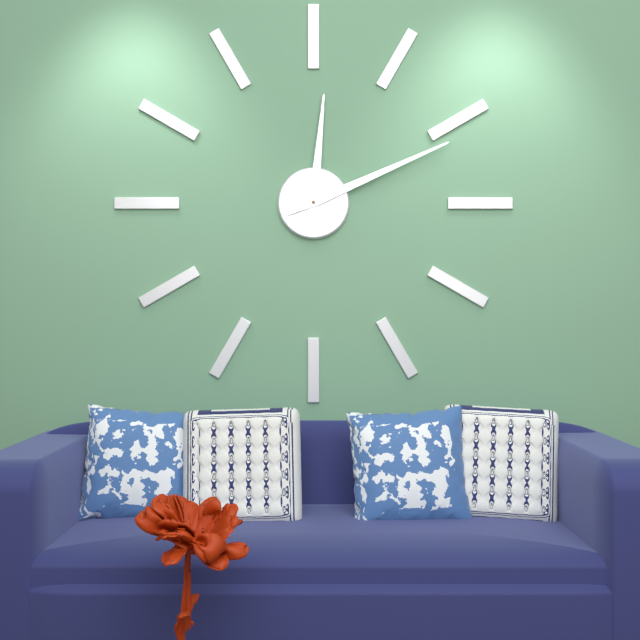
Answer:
12,11
